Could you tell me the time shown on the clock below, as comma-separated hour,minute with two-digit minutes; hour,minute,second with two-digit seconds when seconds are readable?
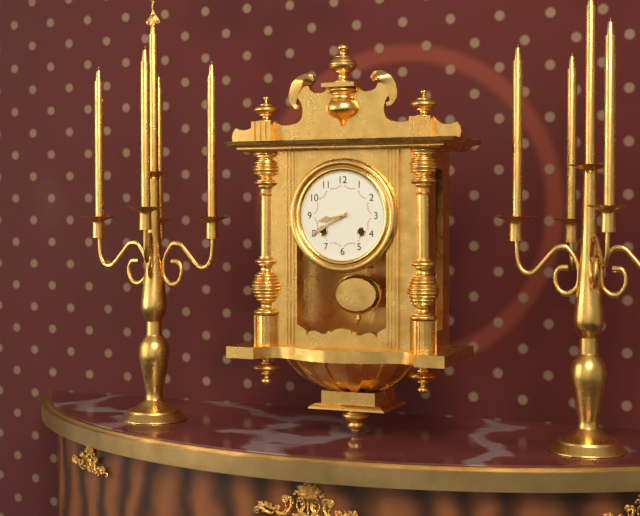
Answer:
8,40
